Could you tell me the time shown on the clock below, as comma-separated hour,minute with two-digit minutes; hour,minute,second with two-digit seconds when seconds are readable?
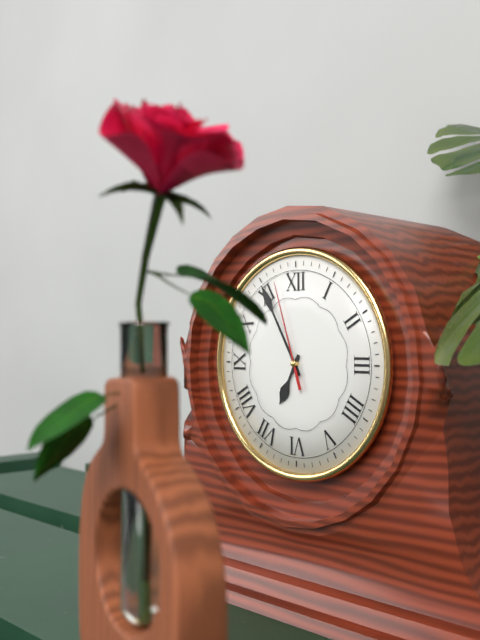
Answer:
6,55,57
